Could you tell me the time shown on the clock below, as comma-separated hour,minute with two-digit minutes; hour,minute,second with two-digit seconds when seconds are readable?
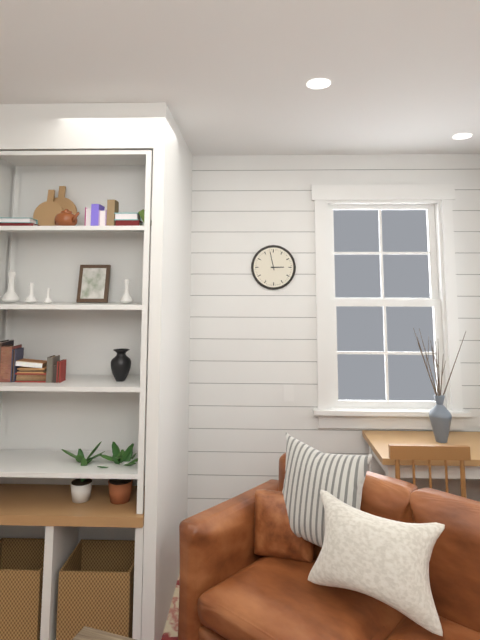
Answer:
2,58
